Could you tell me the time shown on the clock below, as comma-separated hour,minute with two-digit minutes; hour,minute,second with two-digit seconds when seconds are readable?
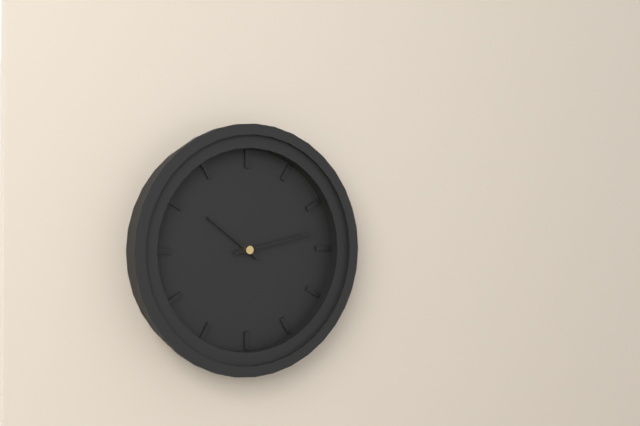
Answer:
10,13
